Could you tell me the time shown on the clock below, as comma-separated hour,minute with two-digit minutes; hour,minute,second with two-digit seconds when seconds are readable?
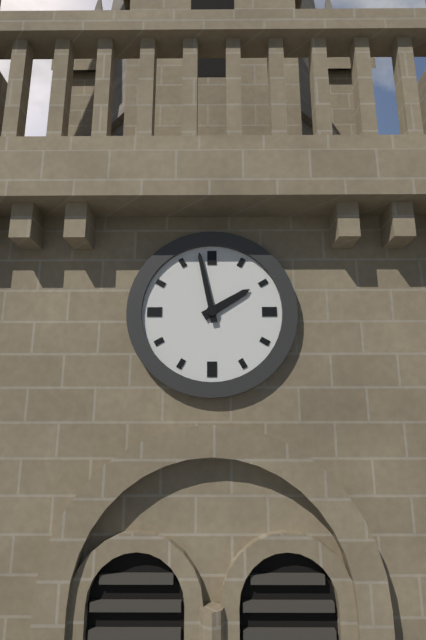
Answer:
1,58
